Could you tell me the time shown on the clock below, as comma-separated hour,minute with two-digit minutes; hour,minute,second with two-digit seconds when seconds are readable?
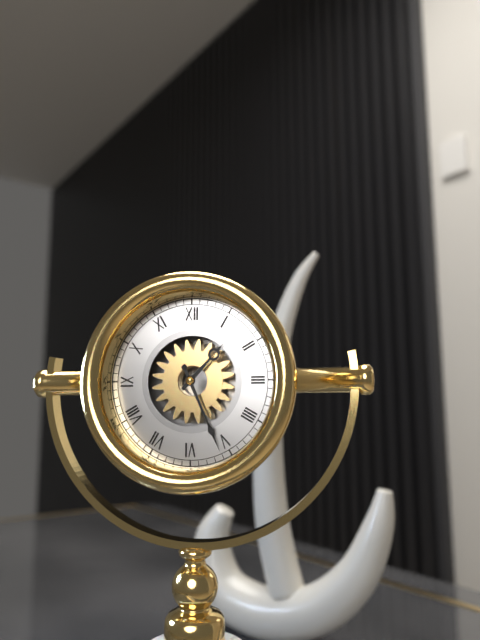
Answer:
1,26
